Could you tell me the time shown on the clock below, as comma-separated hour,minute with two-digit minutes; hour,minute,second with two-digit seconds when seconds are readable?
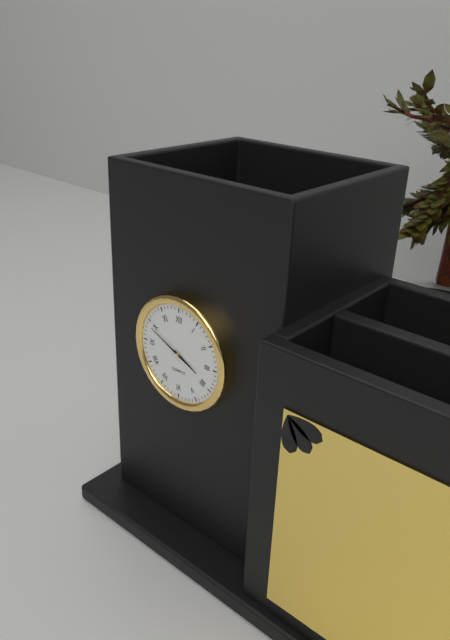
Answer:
3,49
